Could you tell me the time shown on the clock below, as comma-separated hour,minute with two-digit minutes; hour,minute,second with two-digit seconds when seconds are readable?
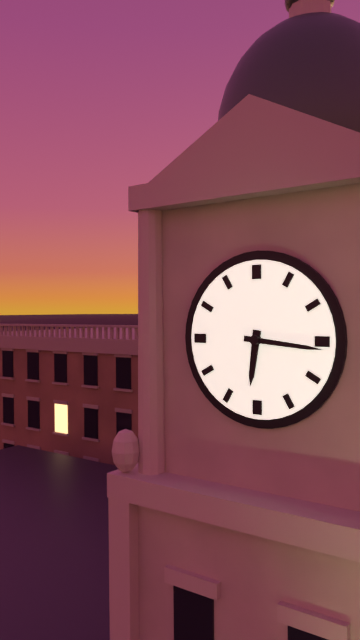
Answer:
6,16
